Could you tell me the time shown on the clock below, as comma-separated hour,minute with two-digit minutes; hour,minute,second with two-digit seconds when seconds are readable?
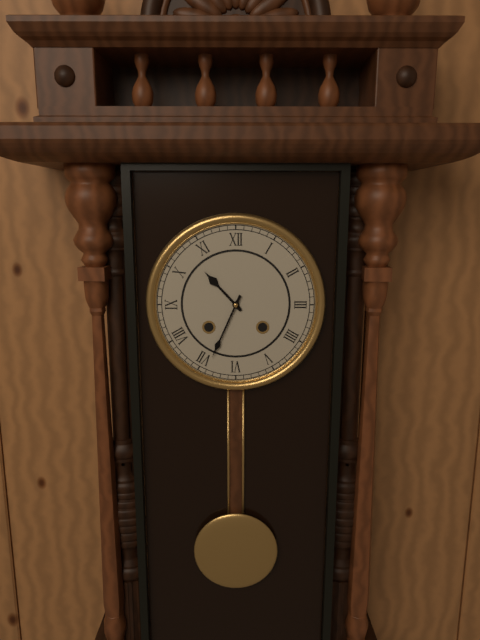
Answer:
10,34
